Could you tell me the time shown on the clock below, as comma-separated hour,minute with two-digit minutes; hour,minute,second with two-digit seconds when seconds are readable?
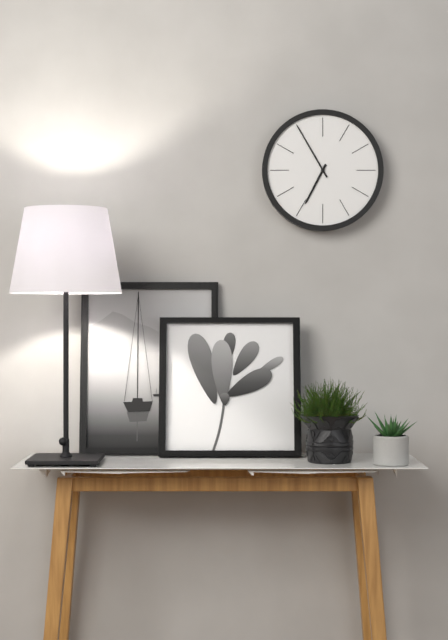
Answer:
6,55
